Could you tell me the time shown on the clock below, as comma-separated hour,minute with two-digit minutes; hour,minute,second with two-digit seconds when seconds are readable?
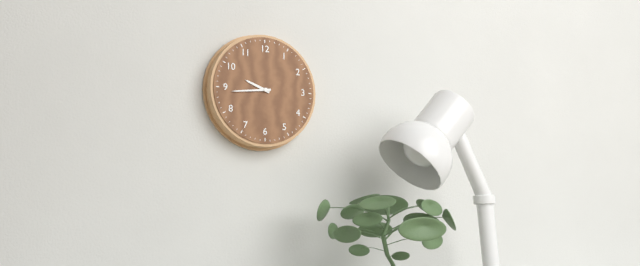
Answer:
9,44
